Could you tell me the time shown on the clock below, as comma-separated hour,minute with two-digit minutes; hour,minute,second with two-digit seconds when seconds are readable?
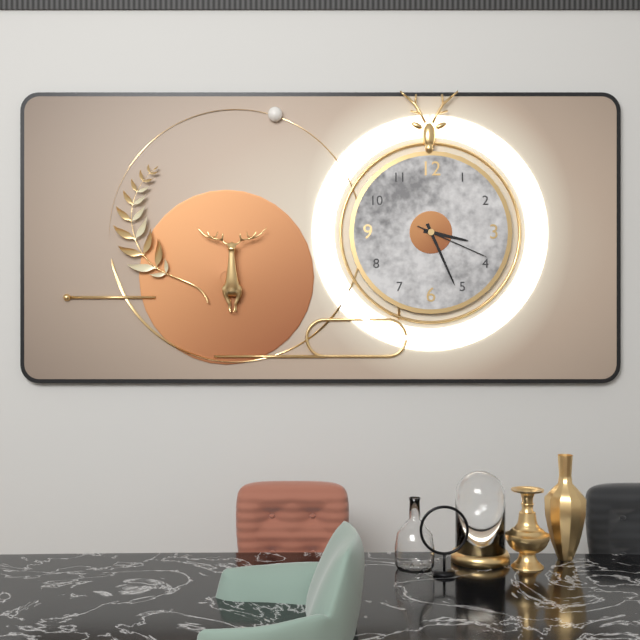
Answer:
3,26,19
